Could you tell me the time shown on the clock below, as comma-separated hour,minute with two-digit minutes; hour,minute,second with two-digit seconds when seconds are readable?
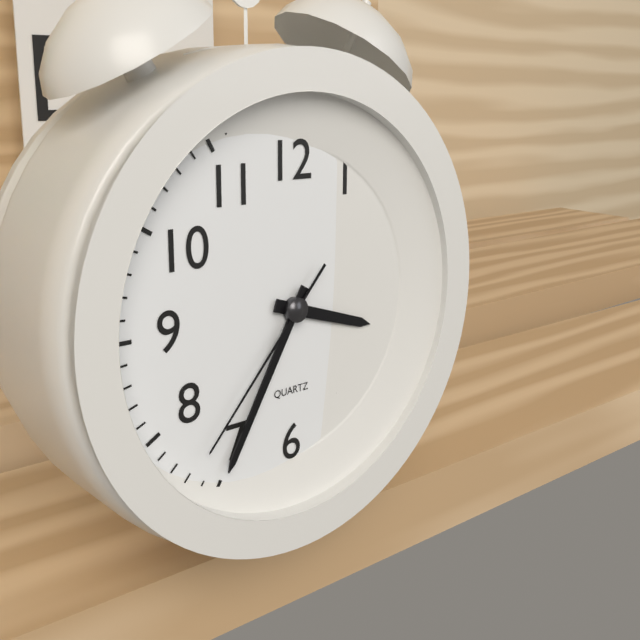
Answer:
3,35,37
